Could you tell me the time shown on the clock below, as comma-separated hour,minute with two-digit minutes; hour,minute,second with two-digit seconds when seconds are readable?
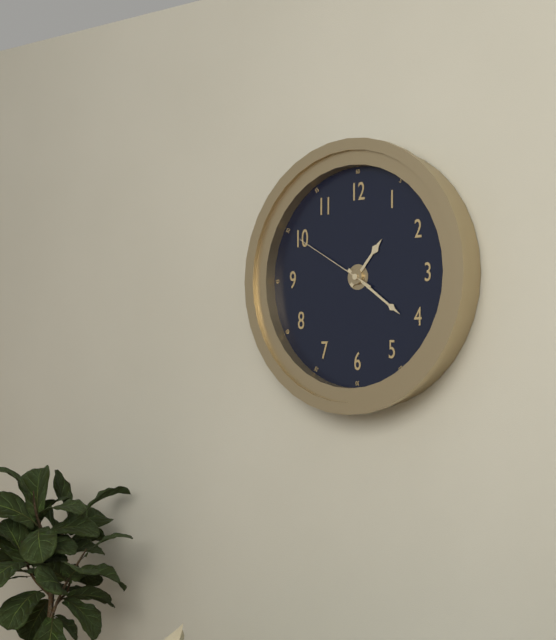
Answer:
1,21,50
